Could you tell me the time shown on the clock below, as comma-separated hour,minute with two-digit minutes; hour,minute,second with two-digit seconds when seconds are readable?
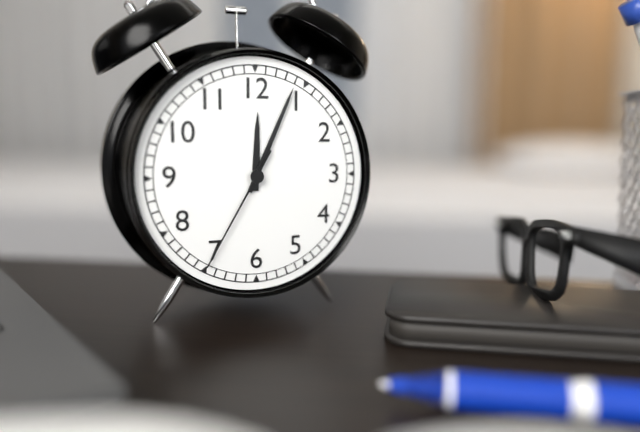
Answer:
12,04,35
